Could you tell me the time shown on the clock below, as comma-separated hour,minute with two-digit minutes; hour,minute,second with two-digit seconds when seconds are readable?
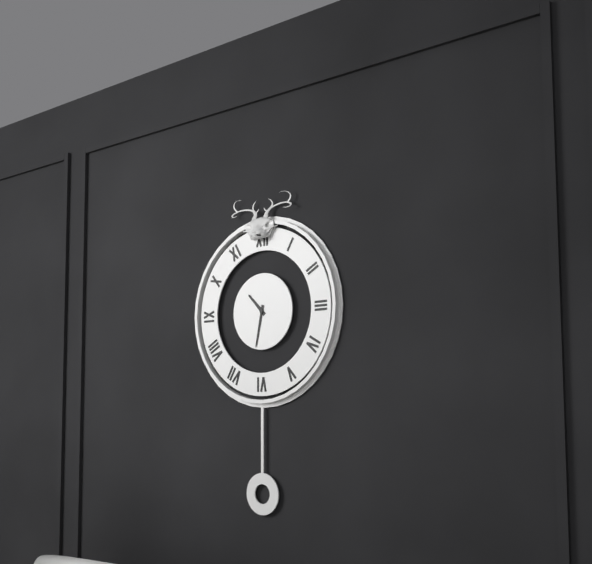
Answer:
10,32
